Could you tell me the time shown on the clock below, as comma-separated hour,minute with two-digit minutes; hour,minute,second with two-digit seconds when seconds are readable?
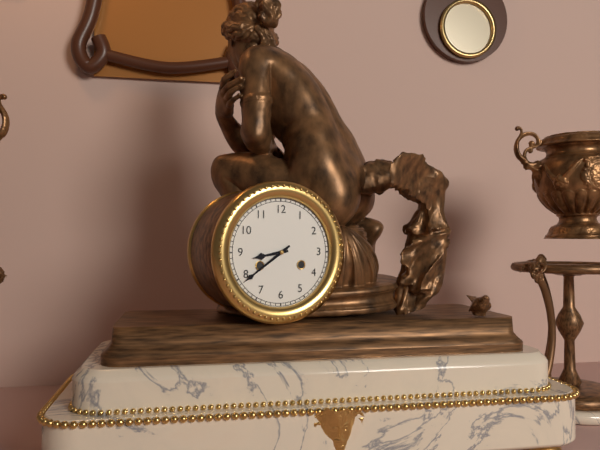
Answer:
8,39
